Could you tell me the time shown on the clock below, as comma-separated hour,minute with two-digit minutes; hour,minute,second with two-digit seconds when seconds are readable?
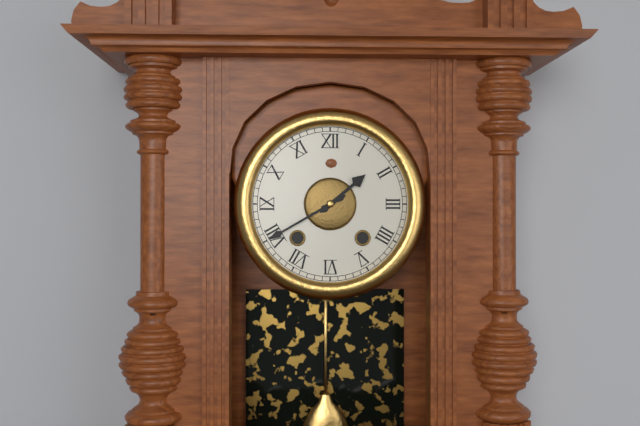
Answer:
1,40
